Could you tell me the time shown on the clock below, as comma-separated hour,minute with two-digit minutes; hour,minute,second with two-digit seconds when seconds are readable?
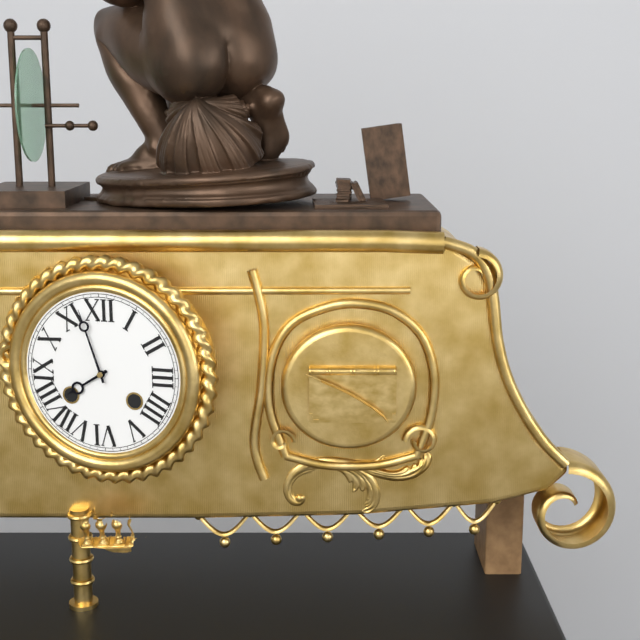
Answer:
7,57
